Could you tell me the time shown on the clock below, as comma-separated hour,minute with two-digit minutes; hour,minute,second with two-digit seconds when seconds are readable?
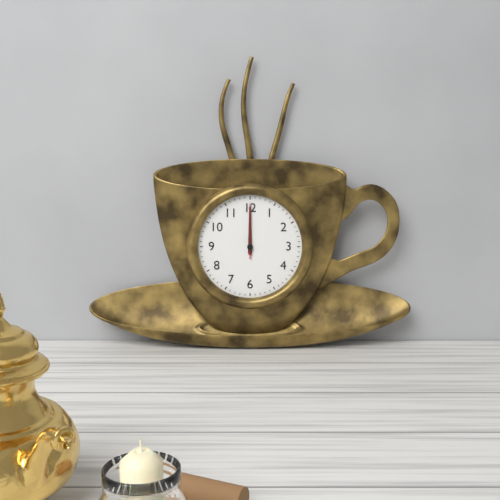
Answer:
12,00,00
